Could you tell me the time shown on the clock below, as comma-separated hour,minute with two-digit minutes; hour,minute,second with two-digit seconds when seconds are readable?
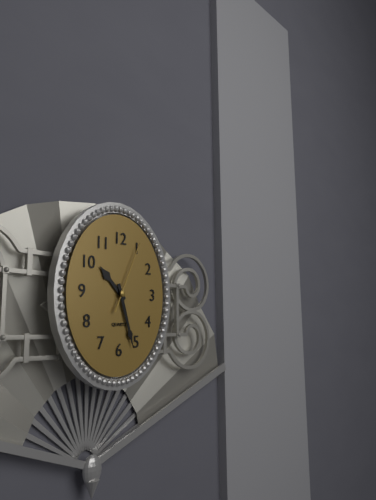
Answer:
10,27,04
